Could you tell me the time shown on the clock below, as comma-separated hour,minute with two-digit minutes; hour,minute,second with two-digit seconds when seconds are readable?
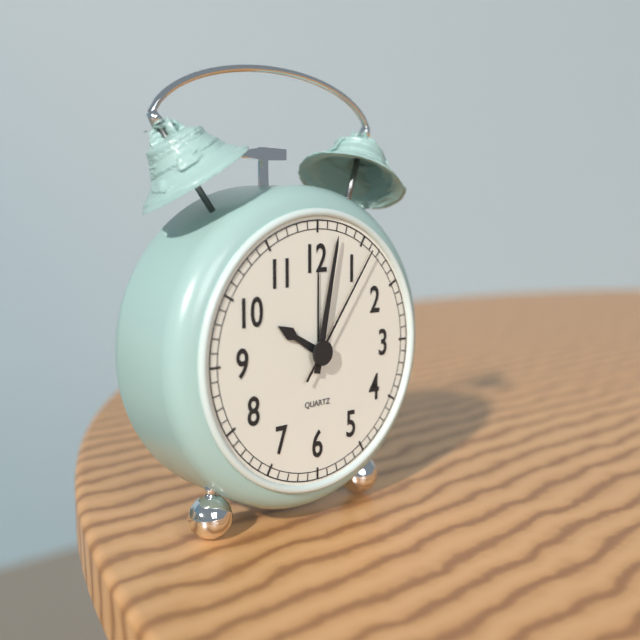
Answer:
10,02,06
